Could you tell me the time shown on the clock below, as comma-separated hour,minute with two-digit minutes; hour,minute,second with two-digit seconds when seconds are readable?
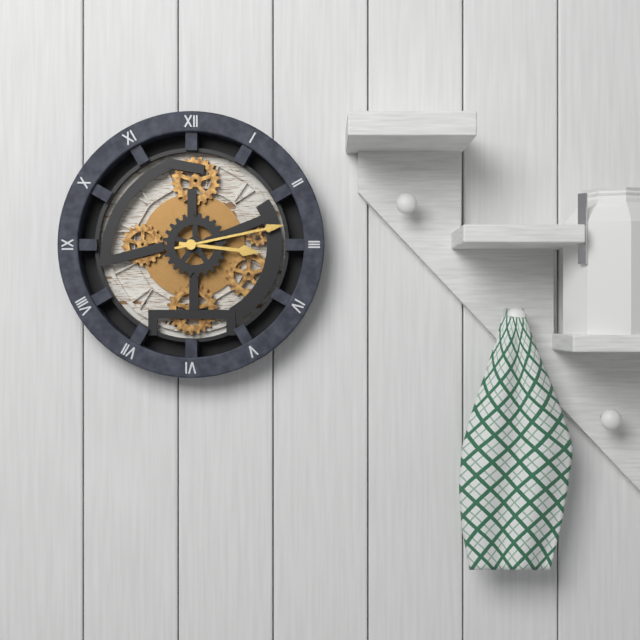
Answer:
3,13
